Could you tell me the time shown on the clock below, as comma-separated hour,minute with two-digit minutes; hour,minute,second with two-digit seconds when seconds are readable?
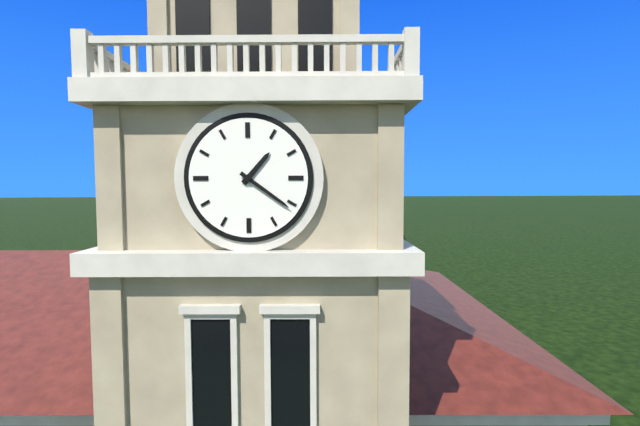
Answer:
1,21
